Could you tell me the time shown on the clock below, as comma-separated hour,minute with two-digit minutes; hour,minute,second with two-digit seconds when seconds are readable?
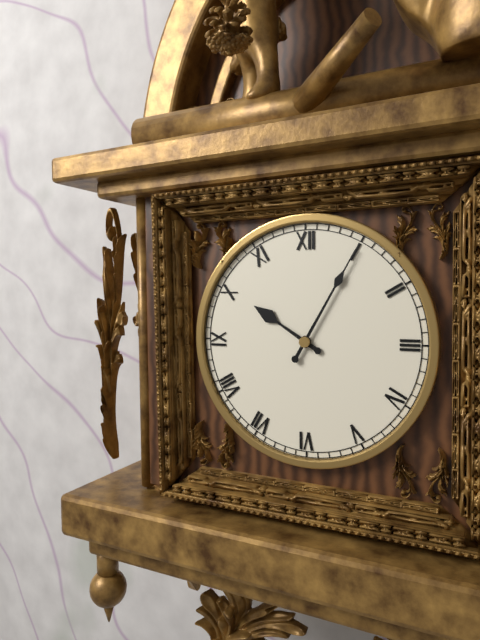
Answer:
10,05
